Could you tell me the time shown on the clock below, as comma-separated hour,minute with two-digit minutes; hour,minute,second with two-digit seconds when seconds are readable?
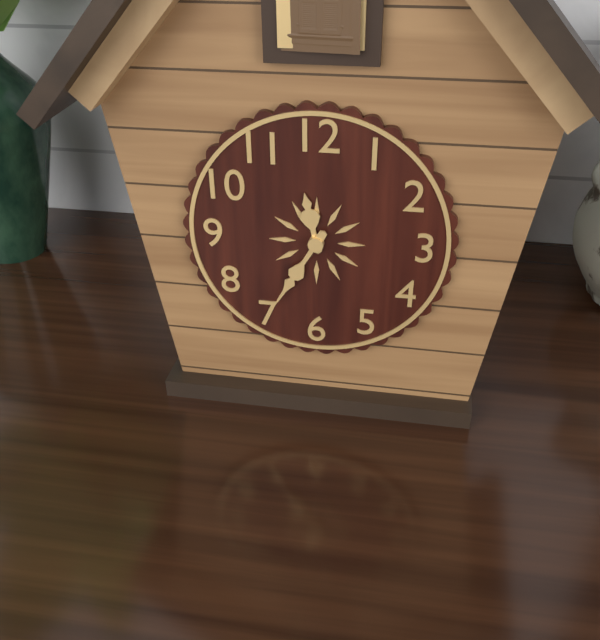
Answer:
11,35
